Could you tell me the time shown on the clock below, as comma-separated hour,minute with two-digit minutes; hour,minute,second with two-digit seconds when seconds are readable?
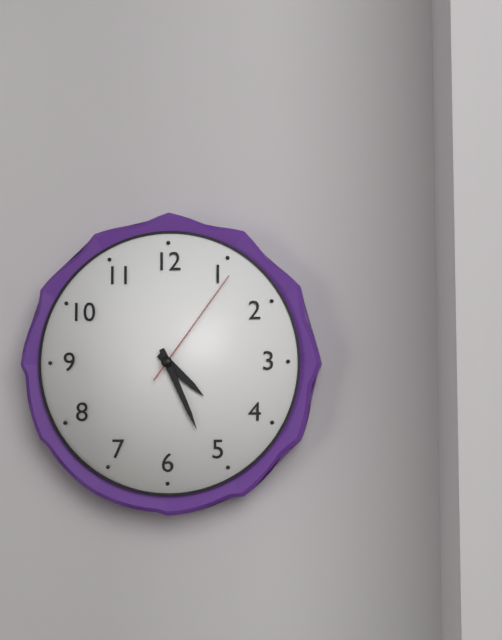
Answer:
4,26,06
